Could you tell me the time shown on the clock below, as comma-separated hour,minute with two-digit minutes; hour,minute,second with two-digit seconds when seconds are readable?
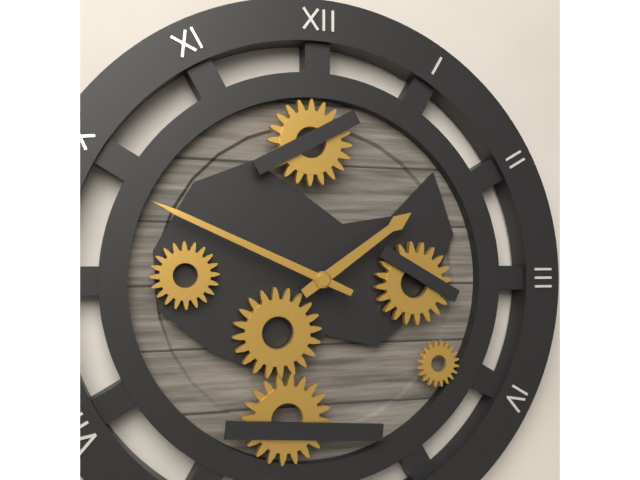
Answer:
1,49
